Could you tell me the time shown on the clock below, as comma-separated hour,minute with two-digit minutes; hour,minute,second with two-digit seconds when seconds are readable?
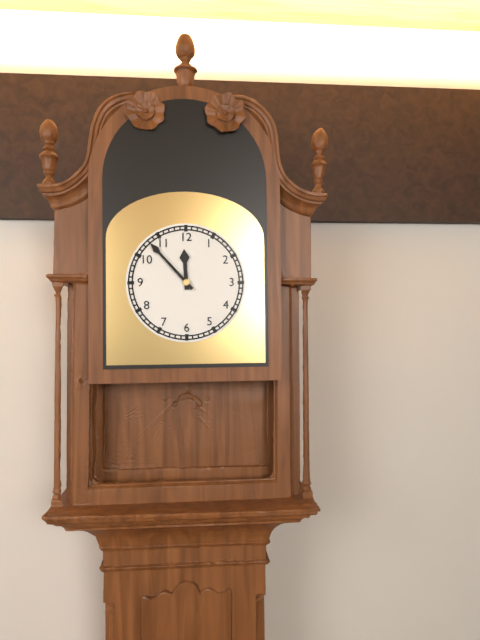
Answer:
11,53
